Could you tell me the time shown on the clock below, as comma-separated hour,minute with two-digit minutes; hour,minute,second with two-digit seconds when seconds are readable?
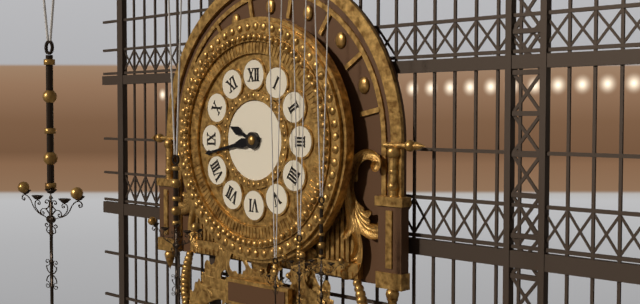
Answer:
9,43
